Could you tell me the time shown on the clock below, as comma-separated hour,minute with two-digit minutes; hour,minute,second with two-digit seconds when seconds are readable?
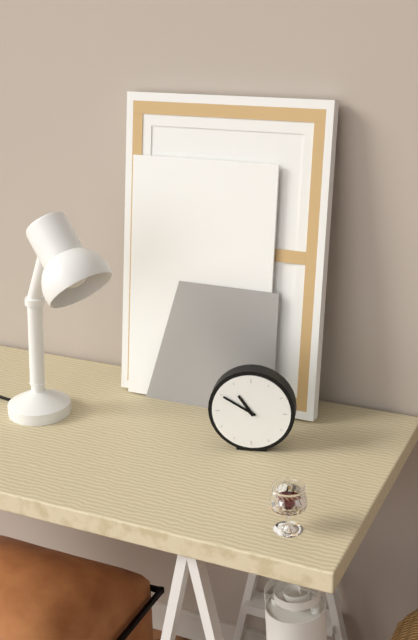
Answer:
10,50
